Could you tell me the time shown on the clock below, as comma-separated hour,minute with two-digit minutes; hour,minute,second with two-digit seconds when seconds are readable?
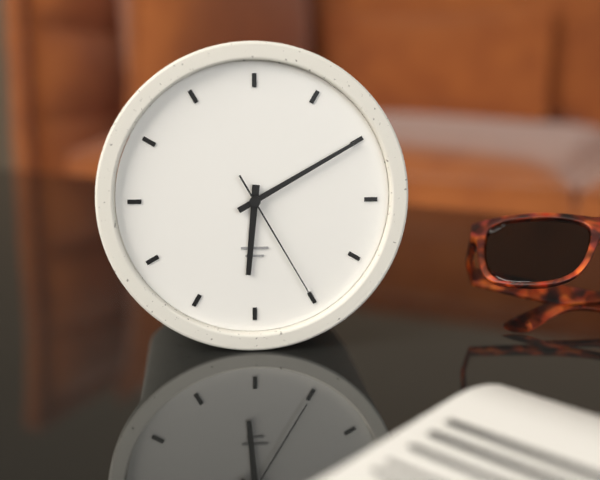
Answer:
6,10,25
